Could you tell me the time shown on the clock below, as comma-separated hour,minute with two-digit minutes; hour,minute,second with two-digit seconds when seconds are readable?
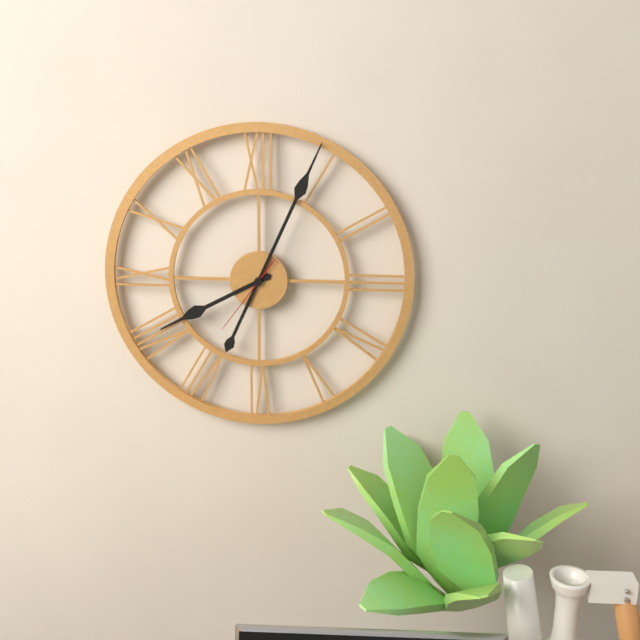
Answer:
8,04,36
